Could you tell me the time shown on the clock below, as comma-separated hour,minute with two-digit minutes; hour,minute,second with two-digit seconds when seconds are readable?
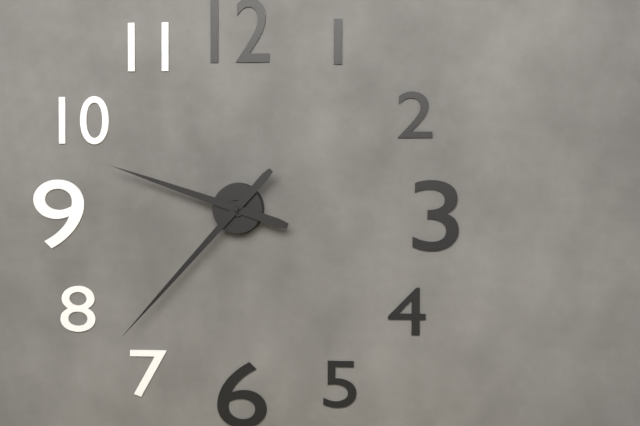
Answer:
9,37
